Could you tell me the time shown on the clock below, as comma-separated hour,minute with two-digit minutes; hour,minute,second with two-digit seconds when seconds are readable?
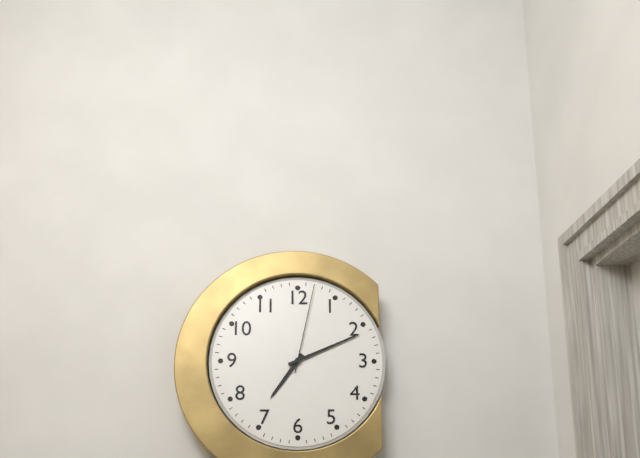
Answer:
7,11,02
